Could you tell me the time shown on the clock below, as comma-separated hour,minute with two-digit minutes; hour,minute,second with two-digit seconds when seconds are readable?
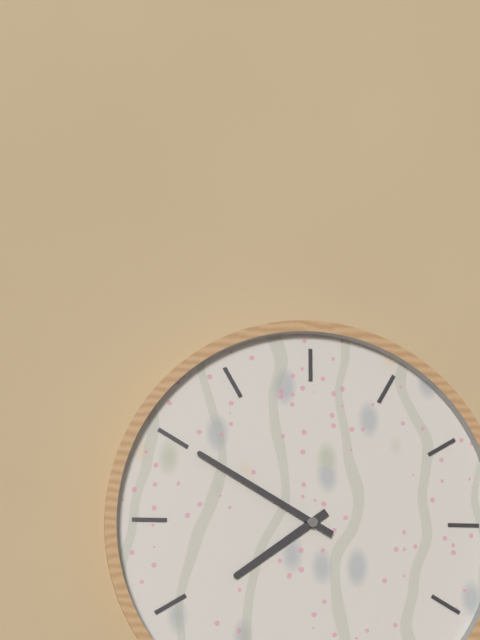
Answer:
7,50
